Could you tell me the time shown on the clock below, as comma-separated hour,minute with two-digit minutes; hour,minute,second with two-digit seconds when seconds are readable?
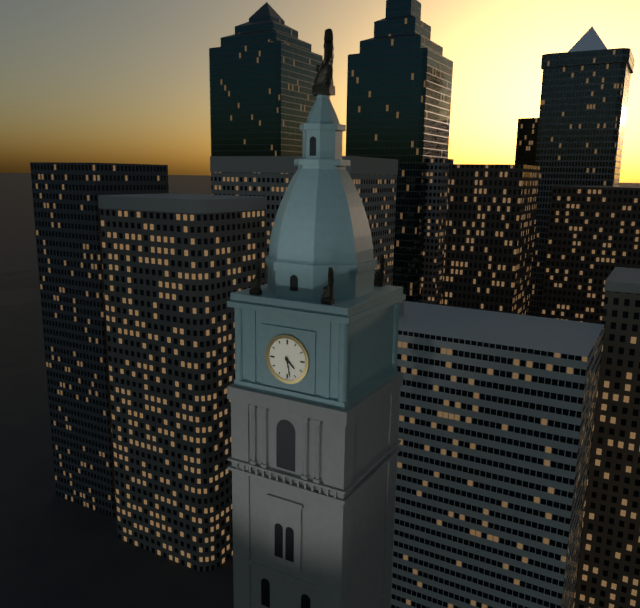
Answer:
4,28
